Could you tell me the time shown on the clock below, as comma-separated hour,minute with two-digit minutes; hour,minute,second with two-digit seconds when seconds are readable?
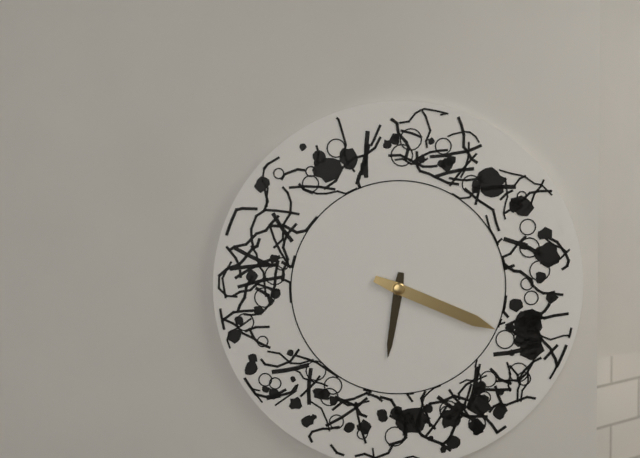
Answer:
6,19
